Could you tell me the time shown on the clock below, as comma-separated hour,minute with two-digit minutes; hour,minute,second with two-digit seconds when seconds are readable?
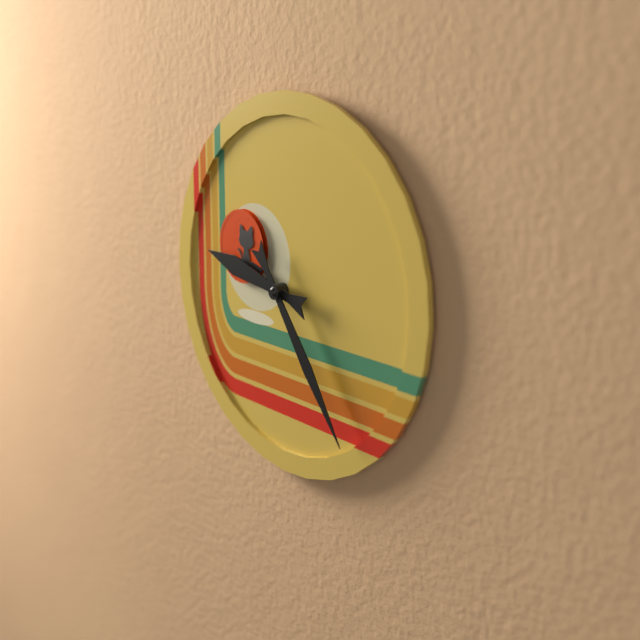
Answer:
9,24
